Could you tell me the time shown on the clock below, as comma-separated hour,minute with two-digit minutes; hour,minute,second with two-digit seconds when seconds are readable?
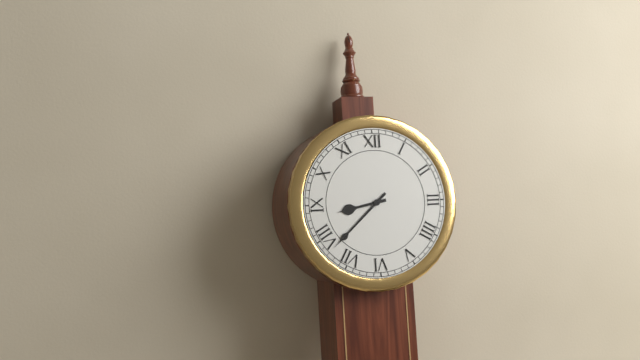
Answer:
8,38
